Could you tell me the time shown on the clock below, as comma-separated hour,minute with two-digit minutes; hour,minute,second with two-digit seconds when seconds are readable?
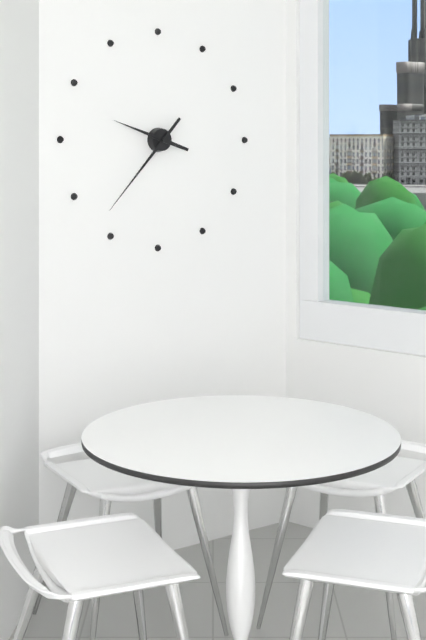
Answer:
9,37
